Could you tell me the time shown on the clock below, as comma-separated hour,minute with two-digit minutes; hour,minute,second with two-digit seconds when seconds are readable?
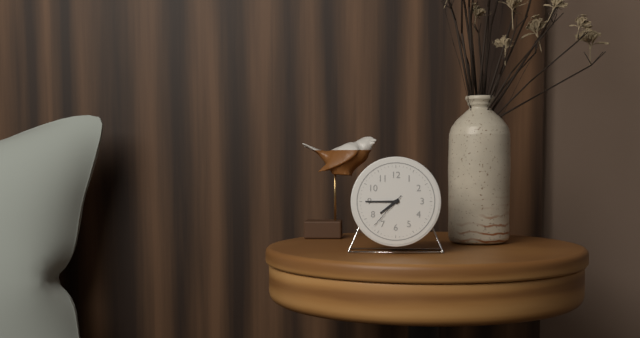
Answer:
7,45
